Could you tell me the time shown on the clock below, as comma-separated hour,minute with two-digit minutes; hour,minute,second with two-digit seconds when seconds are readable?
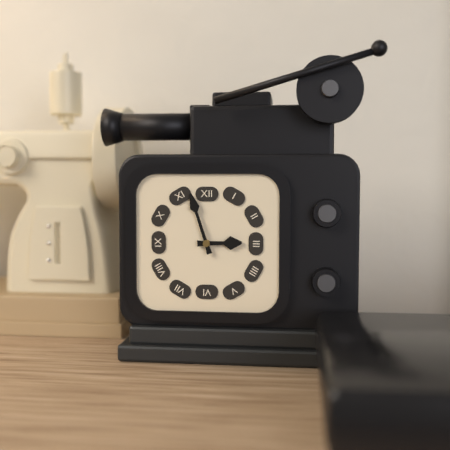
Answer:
2,57
